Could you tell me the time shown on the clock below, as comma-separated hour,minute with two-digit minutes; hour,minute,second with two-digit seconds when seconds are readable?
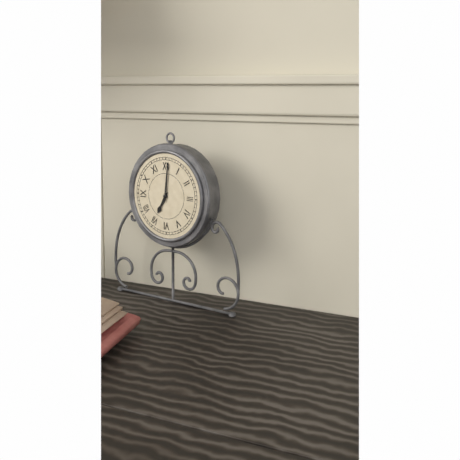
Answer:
7,01
